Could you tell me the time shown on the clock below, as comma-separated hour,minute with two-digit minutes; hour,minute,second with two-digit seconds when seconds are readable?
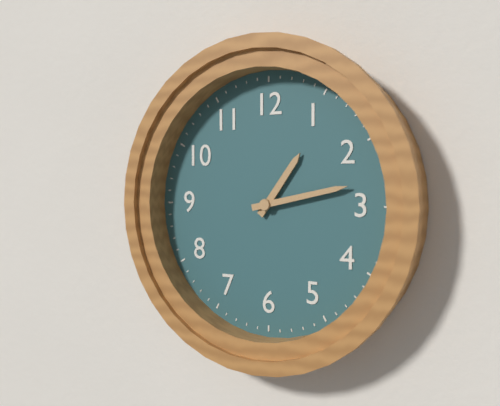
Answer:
1,13
